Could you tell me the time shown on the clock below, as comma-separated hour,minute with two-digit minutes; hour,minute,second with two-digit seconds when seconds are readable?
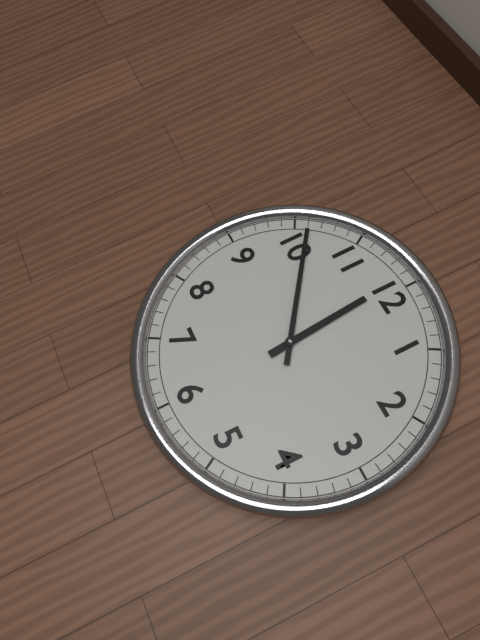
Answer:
11,51
